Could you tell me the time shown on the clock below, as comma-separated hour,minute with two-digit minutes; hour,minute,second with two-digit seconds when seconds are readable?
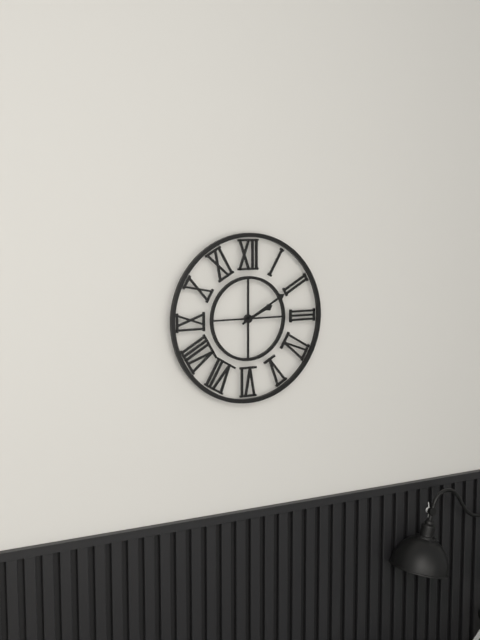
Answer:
2,10
